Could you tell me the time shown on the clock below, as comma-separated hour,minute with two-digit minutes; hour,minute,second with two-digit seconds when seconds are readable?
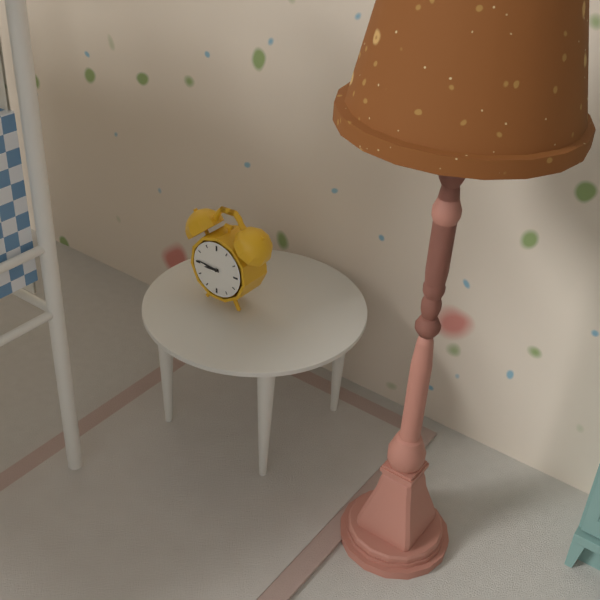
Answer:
8,46
